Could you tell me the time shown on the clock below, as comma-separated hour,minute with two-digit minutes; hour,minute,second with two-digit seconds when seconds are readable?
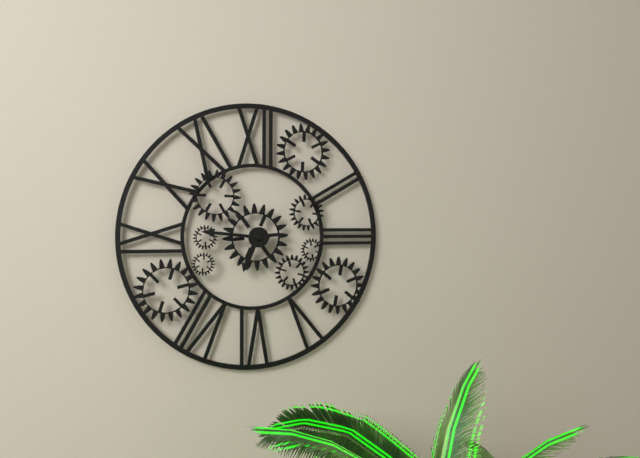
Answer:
6,46
